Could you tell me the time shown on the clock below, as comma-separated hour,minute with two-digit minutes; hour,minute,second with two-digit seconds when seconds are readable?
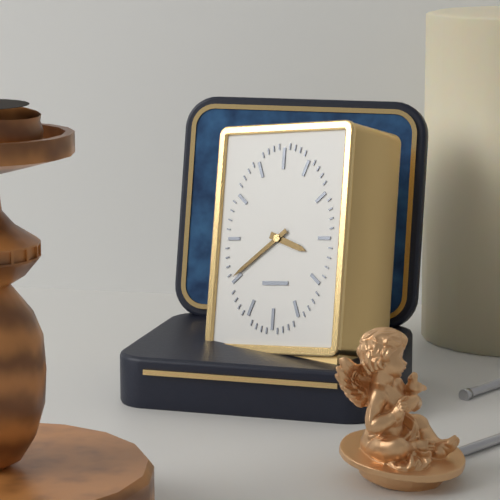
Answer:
3,39
